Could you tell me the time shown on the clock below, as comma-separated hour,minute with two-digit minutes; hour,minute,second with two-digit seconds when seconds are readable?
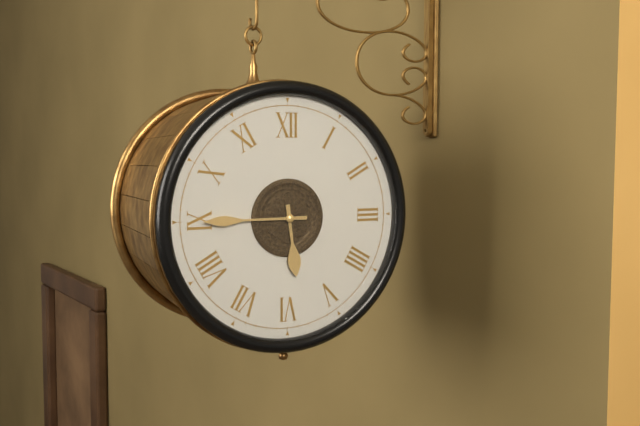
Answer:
5,45
